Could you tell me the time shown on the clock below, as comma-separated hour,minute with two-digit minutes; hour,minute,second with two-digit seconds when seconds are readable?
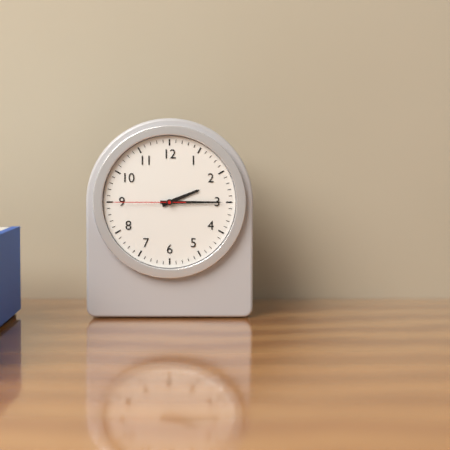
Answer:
2,15,45
